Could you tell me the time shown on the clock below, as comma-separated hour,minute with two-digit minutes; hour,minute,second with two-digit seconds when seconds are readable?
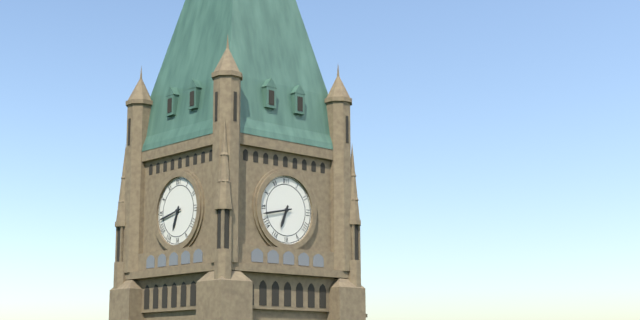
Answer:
6,43
